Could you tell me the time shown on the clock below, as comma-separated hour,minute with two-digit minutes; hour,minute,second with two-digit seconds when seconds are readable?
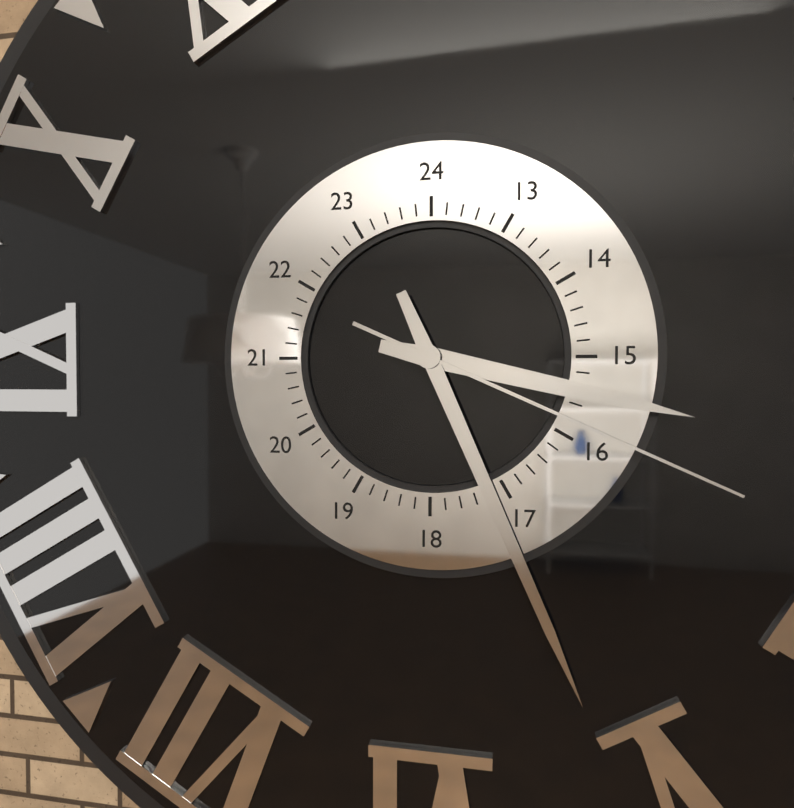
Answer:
3,26,19
